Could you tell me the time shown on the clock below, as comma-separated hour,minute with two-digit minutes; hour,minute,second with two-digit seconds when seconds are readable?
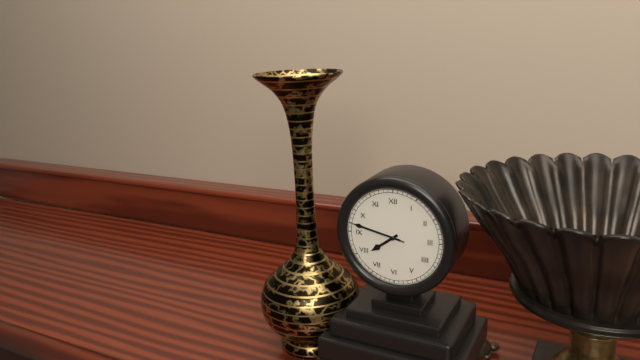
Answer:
7,47,47
